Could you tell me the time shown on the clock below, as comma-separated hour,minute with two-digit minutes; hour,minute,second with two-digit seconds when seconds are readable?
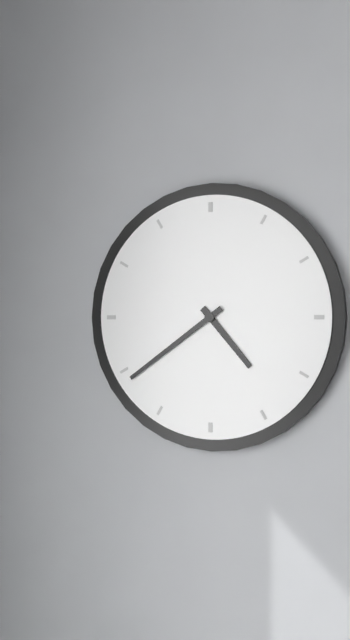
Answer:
4,39
